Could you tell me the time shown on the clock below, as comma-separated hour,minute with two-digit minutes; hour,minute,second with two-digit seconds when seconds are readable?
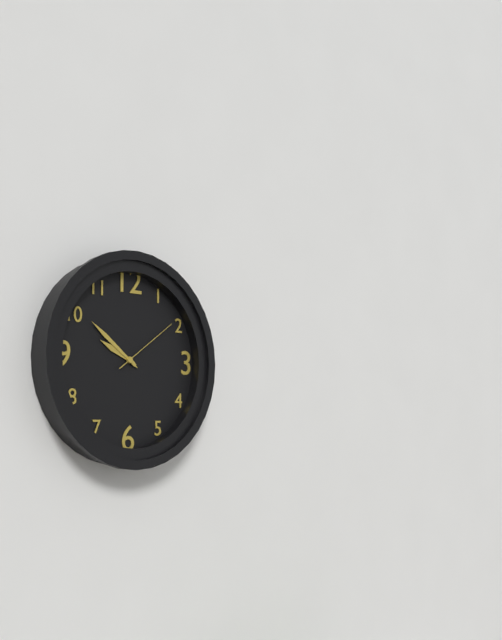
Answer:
9,51,09
